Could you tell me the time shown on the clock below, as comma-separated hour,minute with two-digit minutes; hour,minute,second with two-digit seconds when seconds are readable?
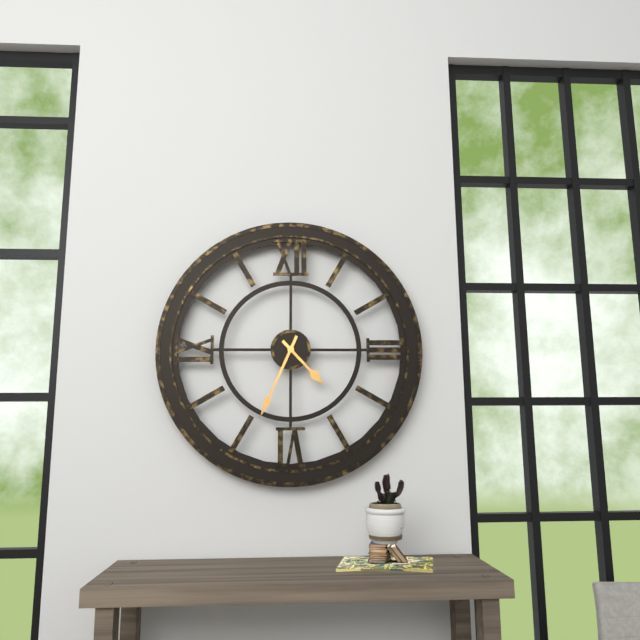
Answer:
4,34
